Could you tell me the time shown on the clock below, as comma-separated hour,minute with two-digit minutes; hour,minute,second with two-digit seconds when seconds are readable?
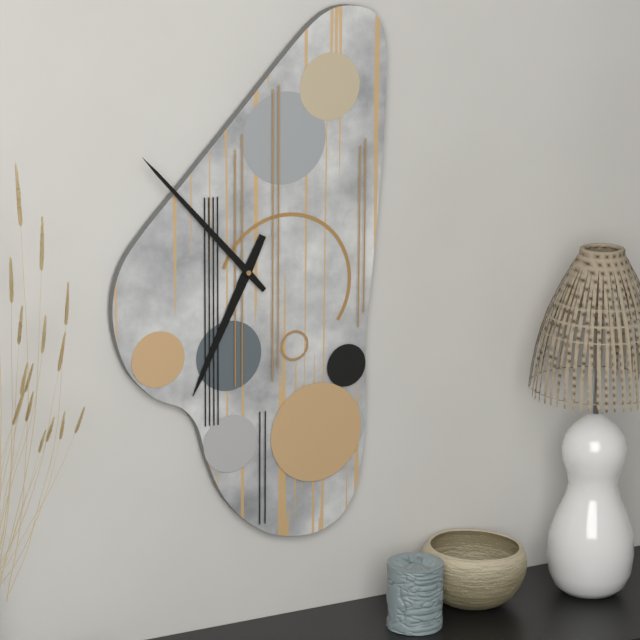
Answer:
6,53
